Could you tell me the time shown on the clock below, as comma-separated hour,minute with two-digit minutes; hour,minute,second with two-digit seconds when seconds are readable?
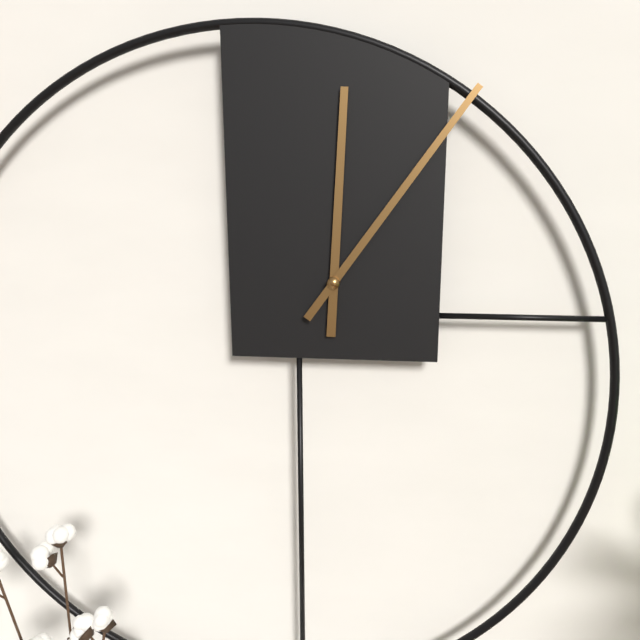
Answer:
12,06
